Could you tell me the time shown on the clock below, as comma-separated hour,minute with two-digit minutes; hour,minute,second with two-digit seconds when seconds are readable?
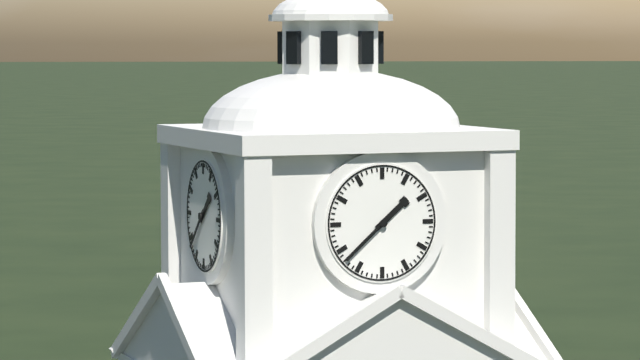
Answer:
1,38
